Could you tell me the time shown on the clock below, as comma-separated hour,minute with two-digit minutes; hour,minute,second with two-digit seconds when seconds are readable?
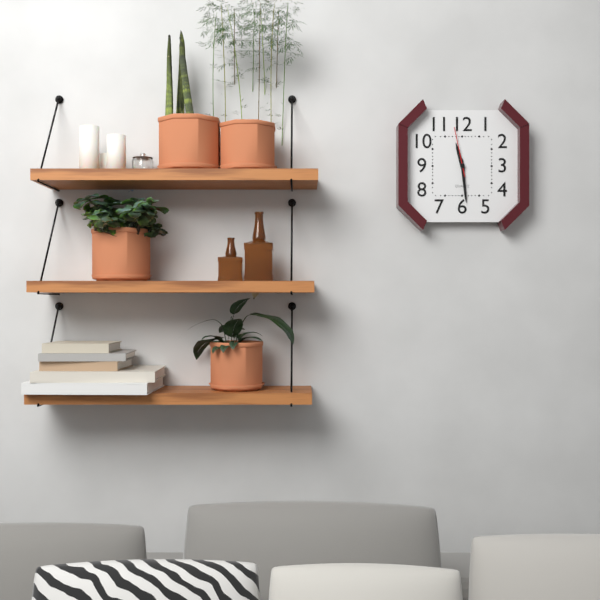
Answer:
11,29
